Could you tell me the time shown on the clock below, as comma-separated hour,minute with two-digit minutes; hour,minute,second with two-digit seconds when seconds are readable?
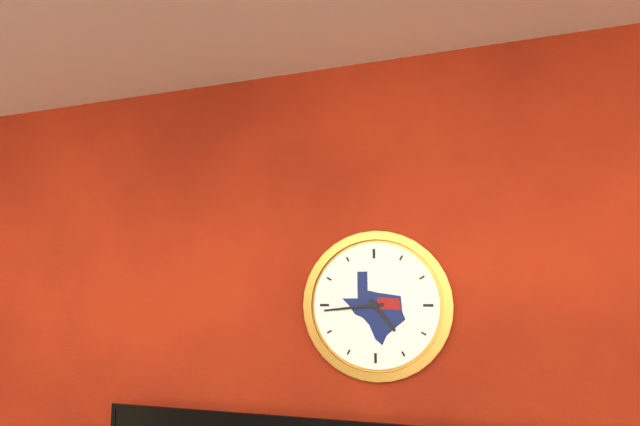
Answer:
4,44
